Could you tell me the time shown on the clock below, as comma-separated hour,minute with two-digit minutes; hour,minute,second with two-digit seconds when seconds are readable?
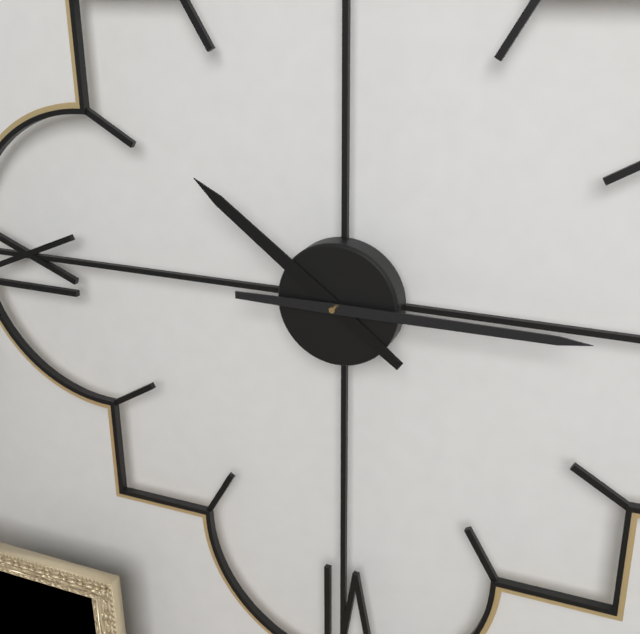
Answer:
10,15
